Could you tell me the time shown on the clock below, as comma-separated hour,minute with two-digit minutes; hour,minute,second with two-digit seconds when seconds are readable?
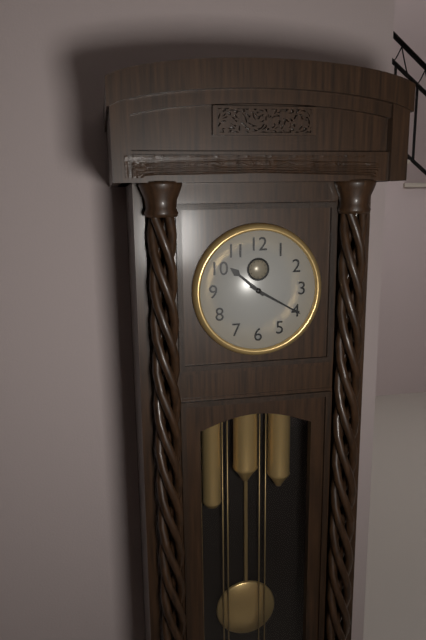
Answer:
10,20
